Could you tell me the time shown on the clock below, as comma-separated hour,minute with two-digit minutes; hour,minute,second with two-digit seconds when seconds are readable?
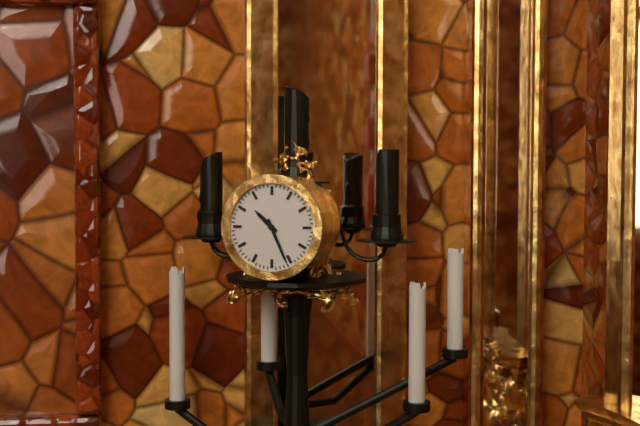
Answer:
10,26
